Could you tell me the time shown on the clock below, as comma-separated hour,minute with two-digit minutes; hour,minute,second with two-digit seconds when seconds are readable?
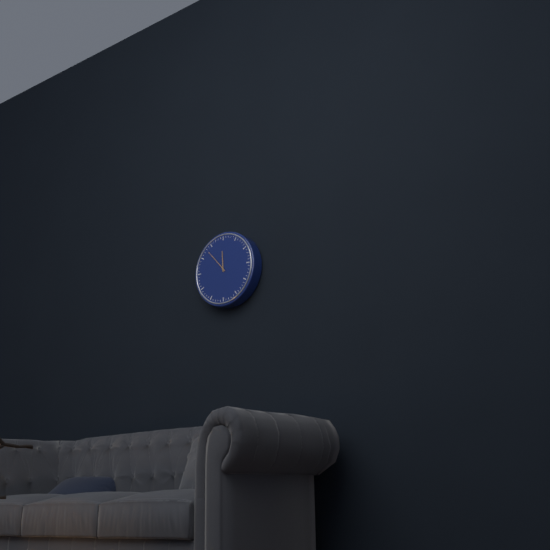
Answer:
11,53
